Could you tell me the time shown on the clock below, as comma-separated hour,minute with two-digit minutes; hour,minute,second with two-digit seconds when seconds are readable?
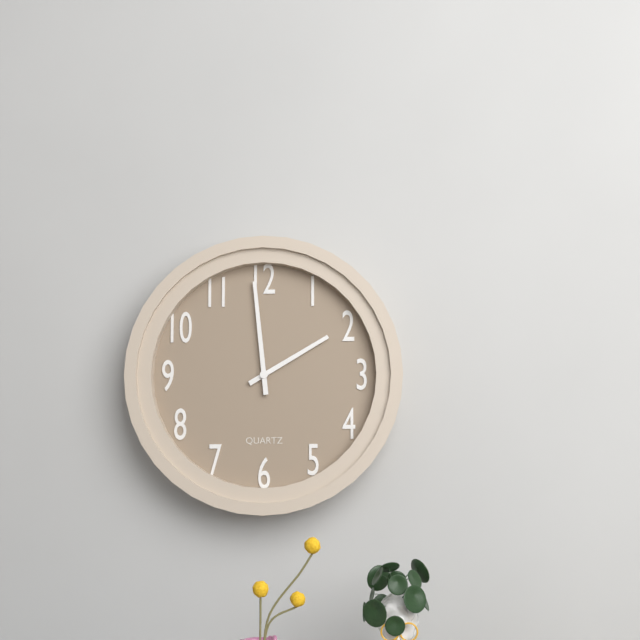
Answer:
1,59
